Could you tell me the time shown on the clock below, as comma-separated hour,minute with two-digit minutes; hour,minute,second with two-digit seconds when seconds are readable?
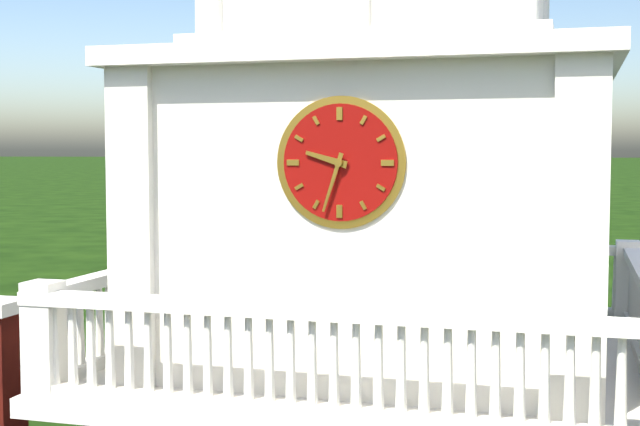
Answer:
9,33
